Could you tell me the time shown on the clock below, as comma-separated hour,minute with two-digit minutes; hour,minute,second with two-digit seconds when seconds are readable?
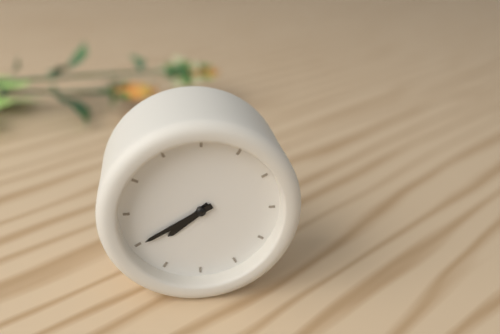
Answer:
7,40
